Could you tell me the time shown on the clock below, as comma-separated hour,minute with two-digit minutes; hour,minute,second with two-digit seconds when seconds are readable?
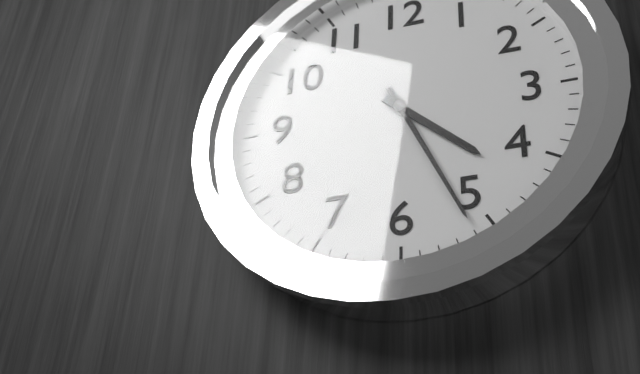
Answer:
4,26
